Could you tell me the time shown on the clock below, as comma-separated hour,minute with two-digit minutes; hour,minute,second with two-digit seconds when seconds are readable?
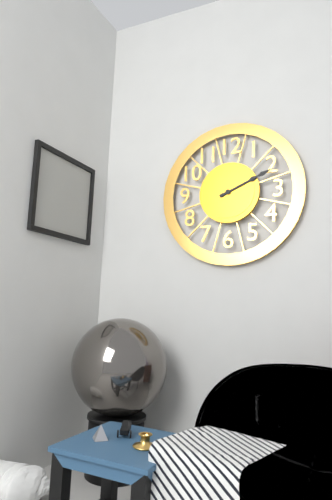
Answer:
2,11
